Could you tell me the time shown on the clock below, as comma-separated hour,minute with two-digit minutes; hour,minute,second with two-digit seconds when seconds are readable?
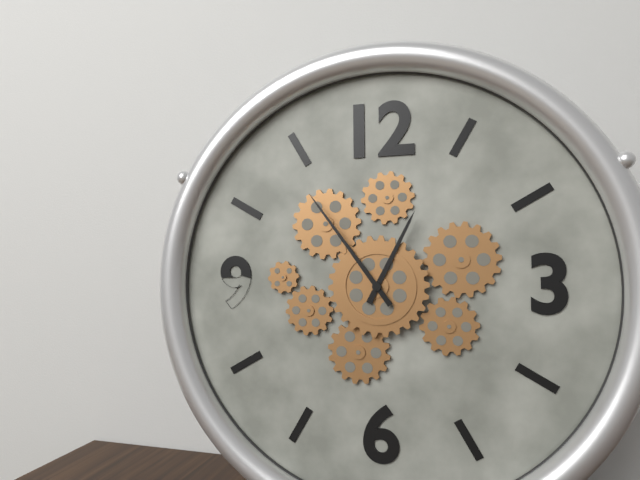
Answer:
12,54
